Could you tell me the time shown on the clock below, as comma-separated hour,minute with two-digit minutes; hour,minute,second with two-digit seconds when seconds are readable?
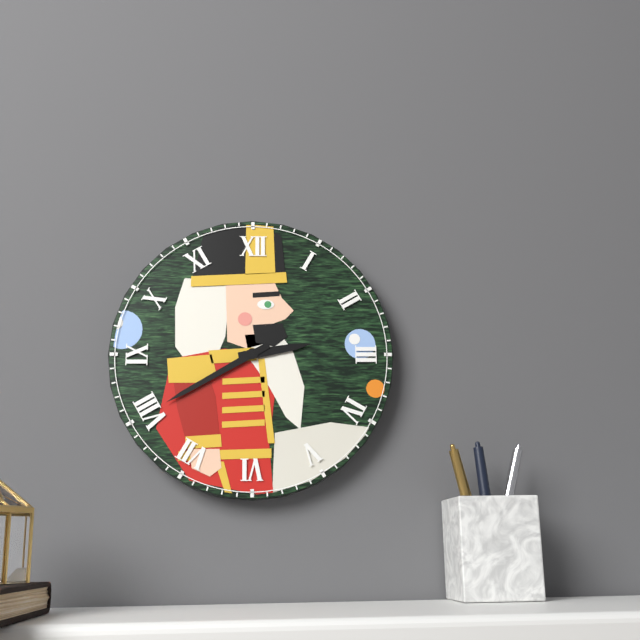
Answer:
2,40
